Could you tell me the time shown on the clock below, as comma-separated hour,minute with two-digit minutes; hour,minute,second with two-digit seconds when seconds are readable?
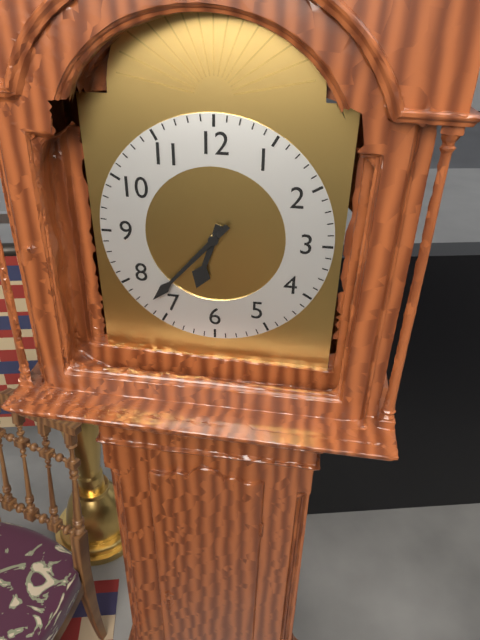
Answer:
6,37
